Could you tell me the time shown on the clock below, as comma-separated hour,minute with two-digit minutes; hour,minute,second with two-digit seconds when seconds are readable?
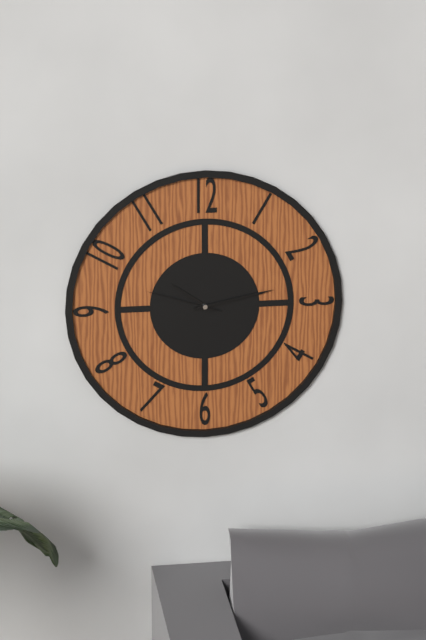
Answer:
10,13,48
